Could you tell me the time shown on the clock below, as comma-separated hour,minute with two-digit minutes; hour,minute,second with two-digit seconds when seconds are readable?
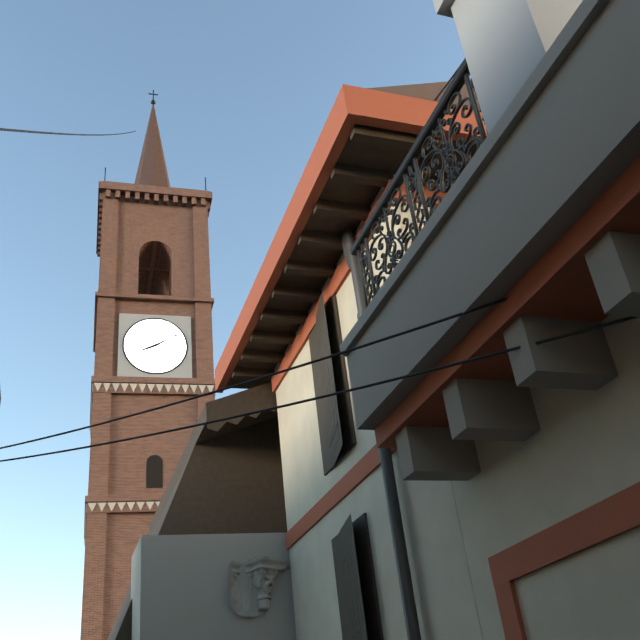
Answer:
8,10
